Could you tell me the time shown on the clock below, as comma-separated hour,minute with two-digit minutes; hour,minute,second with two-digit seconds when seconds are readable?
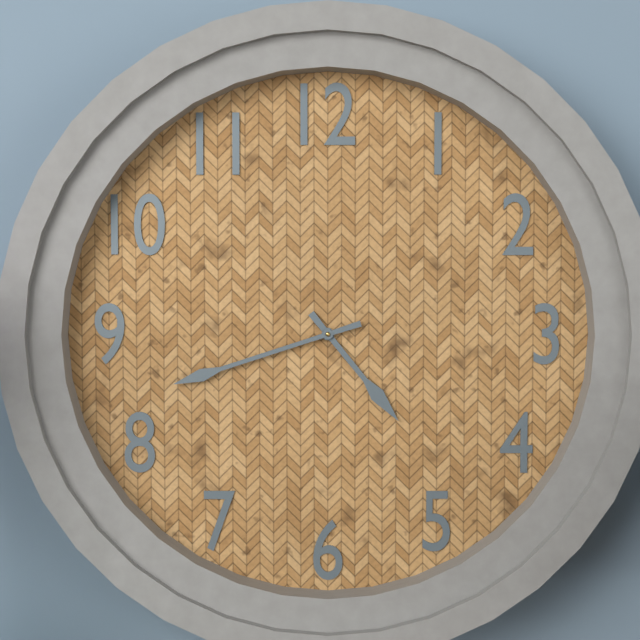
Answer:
4,42
